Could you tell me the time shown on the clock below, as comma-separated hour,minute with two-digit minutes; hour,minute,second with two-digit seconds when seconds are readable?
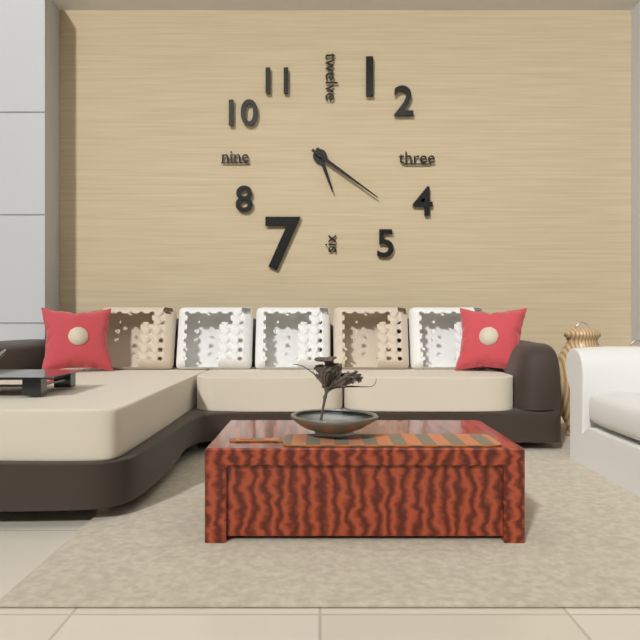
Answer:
5,21
